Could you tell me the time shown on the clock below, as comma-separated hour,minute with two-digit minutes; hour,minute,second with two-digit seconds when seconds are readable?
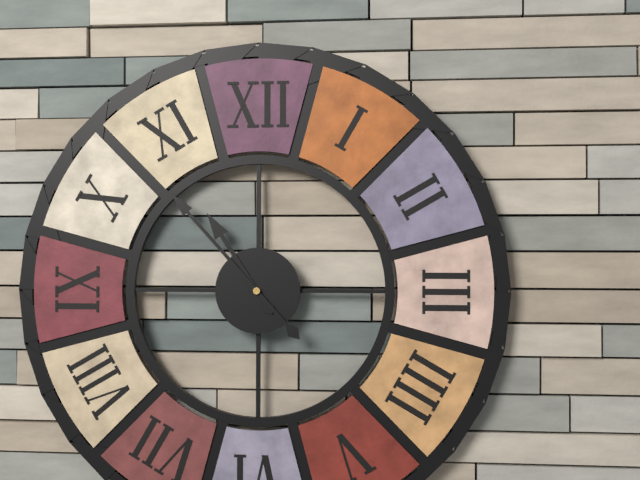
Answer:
10,53
